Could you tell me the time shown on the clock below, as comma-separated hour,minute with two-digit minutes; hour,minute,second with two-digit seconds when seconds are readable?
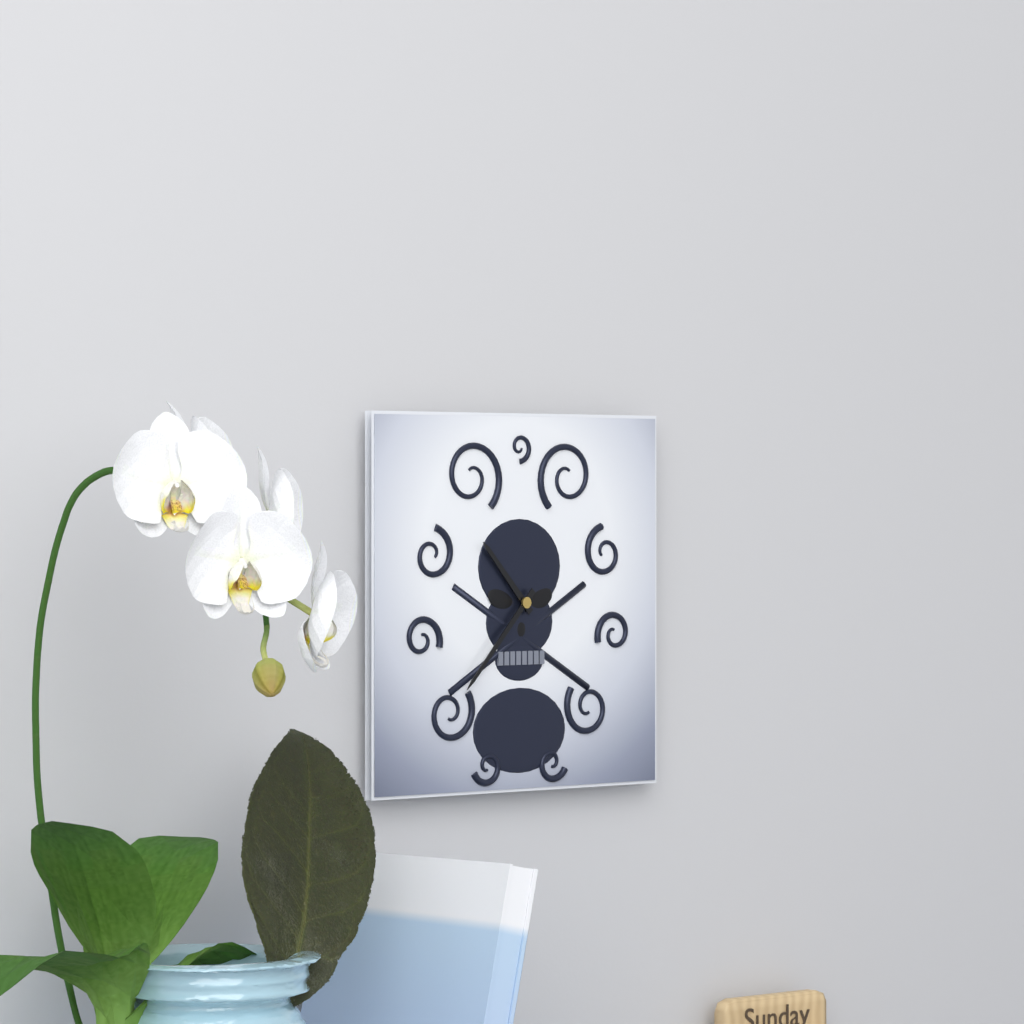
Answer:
10,37
